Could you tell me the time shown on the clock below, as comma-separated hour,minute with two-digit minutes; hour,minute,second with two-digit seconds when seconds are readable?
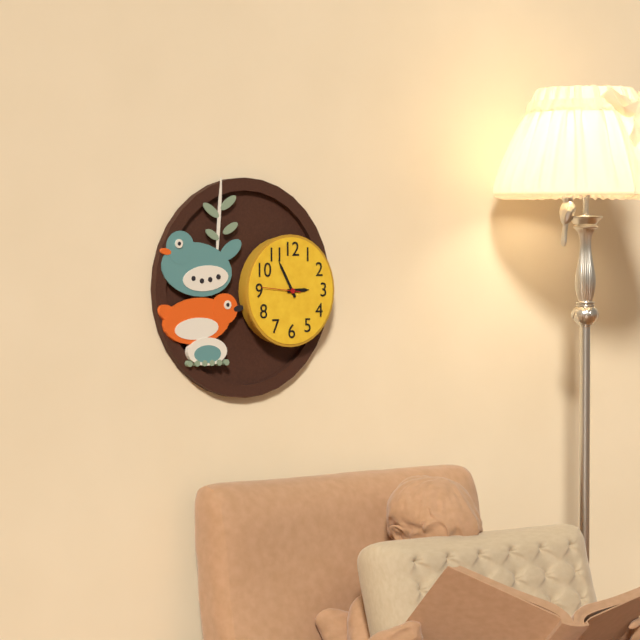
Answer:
2,55
